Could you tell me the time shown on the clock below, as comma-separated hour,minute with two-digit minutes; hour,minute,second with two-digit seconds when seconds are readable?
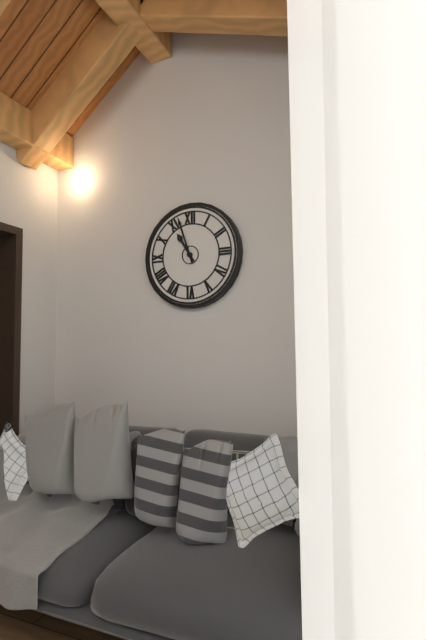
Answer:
10,57
